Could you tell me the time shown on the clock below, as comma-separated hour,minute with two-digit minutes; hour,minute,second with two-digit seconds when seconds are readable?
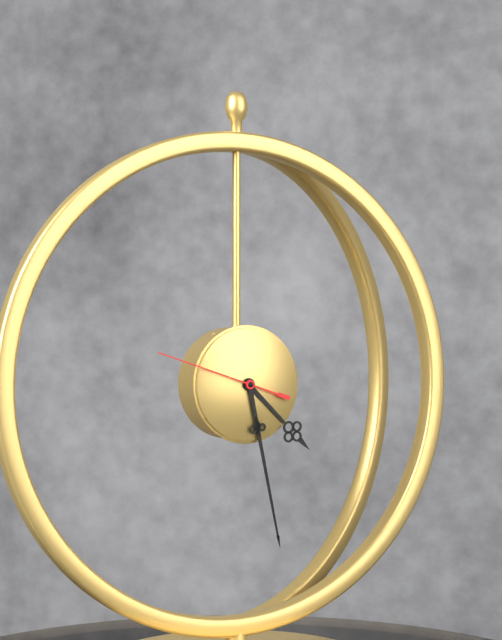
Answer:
4,28,48
